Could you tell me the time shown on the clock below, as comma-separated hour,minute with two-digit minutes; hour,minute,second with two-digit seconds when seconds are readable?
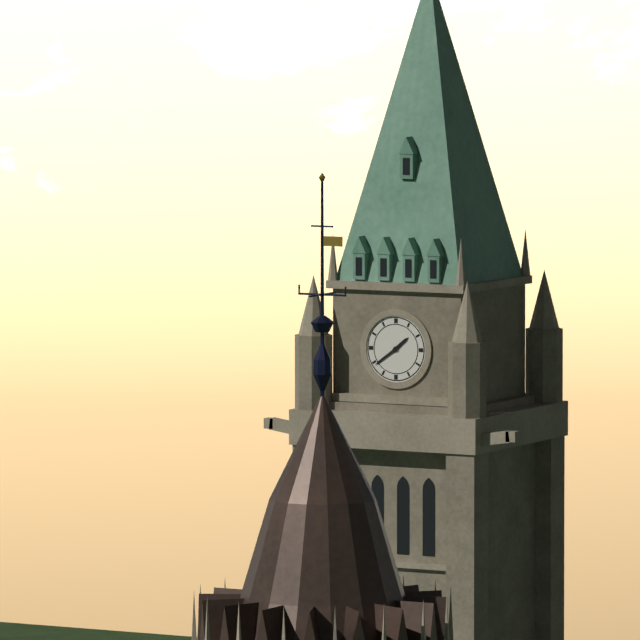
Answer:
1,39
